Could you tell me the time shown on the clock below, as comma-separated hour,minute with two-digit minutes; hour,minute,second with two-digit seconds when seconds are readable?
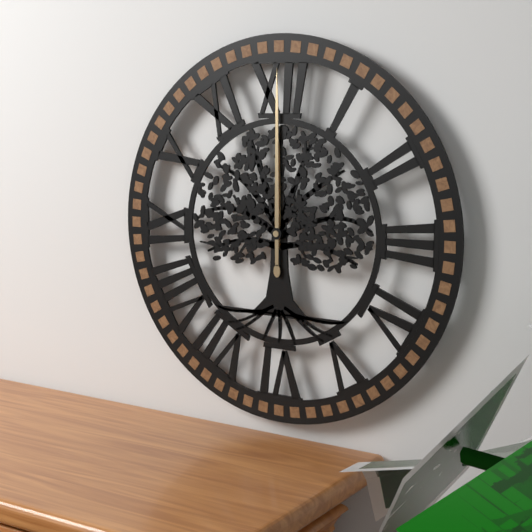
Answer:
12,00
